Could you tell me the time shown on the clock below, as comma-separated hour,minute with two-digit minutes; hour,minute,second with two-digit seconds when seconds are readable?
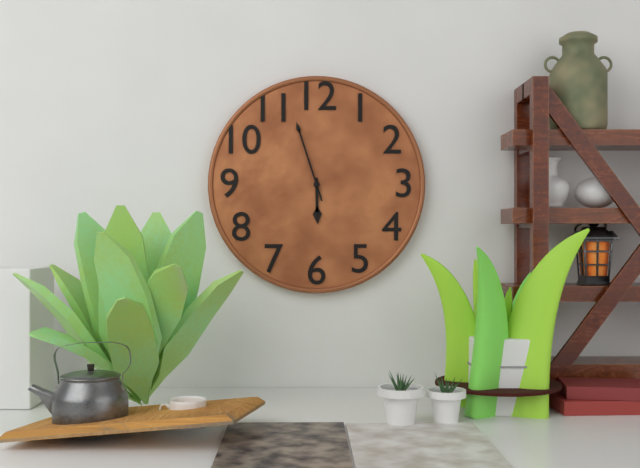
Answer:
5,57
